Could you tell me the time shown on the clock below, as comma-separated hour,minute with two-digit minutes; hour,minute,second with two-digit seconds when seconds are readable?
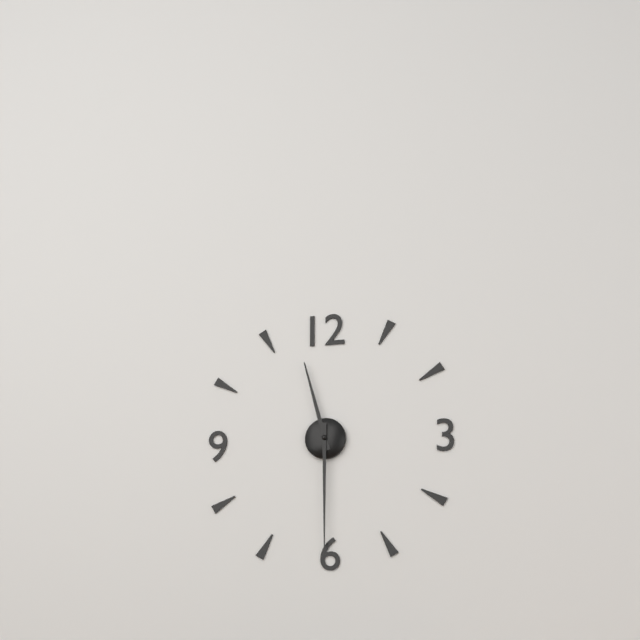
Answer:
11,30
